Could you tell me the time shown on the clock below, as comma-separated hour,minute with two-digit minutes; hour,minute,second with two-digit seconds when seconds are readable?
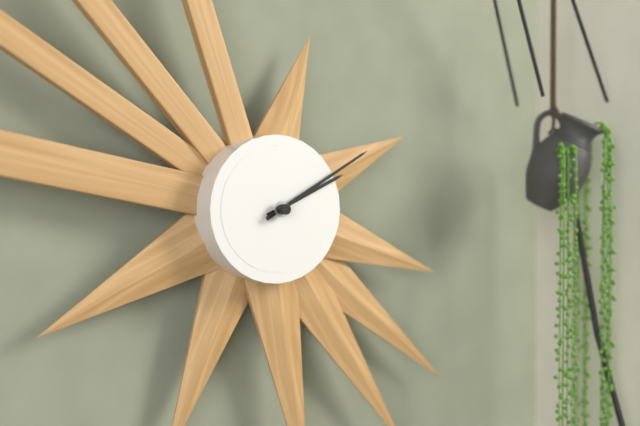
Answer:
2,10
